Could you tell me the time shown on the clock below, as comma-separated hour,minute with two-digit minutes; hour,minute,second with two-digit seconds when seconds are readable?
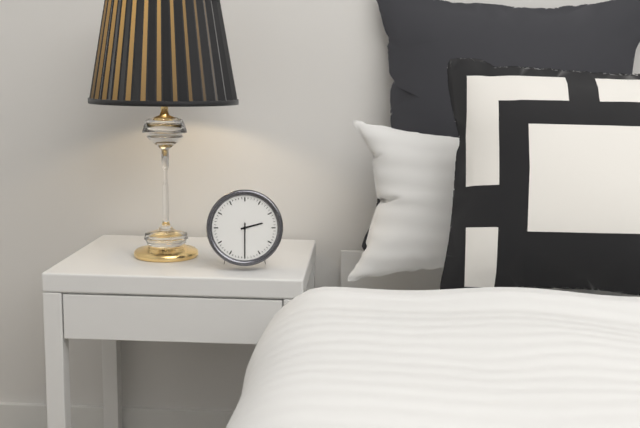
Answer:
2,30
